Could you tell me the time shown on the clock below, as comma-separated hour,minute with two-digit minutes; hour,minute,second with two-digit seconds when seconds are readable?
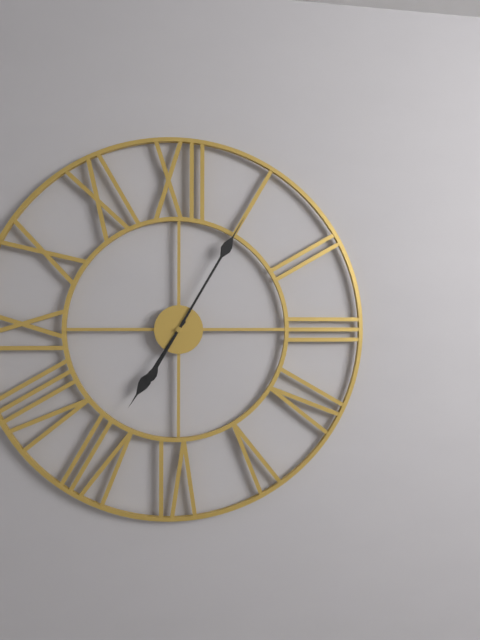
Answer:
7,05
